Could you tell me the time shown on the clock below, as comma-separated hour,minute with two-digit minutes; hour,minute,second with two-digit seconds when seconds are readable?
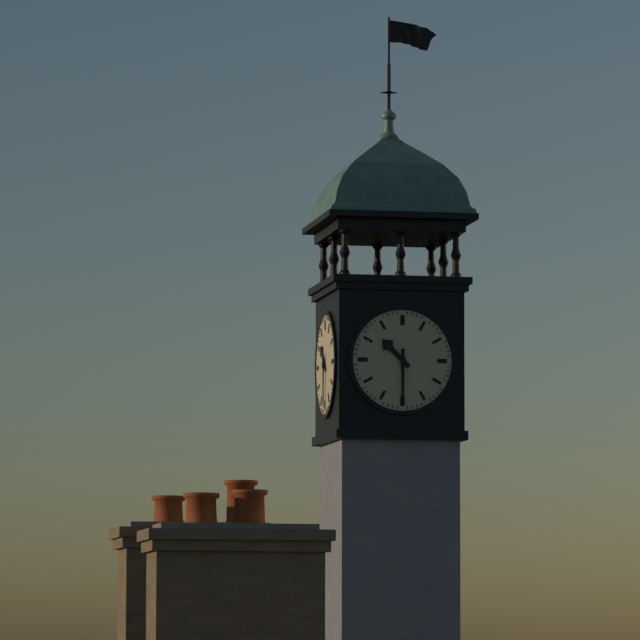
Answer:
10,30
